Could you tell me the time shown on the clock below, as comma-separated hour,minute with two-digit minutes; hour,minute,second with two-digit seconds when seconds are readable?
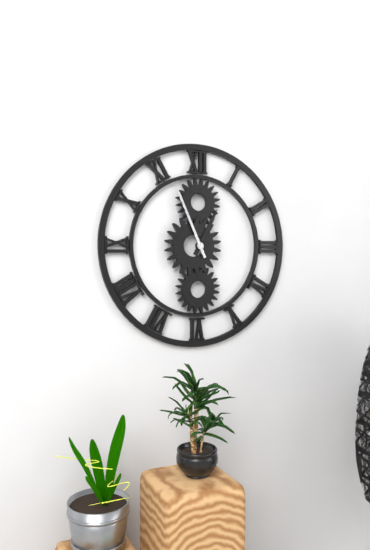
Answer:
12,56
